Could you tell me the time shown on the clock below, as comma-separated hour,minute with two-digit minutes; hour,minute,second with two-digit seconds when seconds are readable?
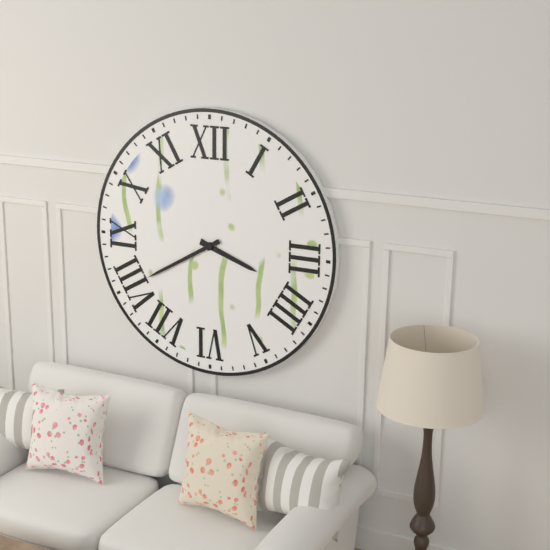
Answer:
3,40
